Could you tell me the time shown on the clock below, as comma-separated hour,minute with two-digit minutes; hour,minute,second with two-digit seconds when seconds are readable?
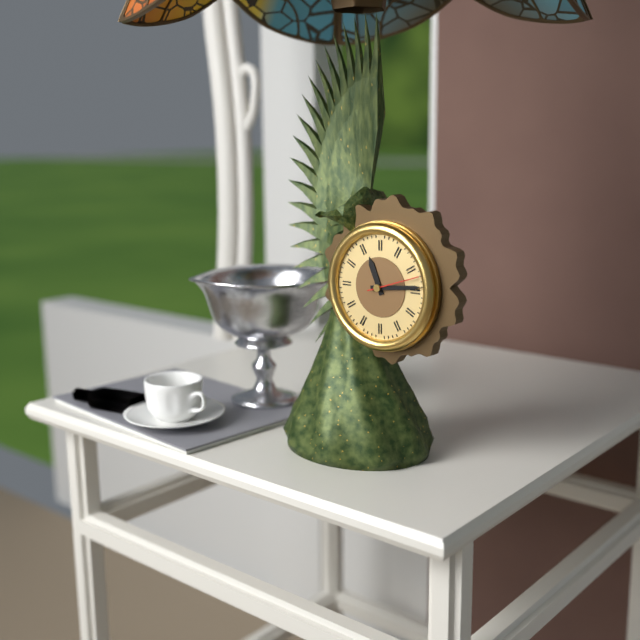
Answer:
11,14
